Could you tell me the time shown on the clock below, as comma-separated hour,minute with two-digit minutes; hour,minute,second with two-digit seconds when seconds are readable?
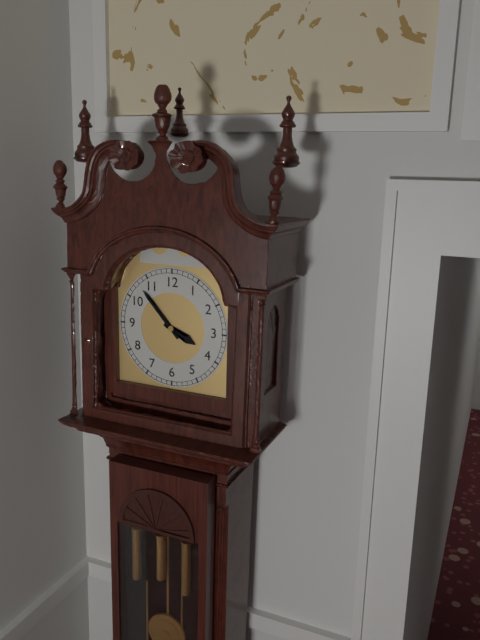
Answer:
3,53
